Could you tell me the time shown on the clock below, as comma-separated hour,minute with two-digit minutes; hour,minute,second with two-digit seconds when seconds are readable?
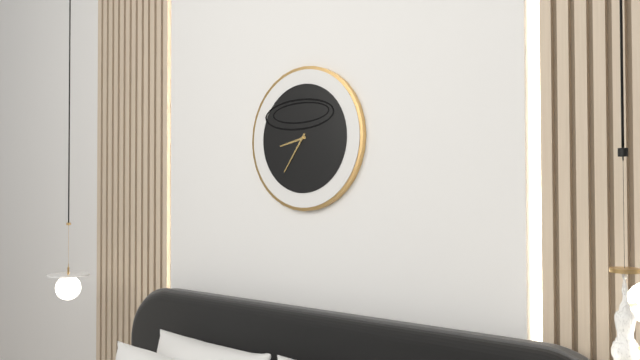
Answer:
8,36
